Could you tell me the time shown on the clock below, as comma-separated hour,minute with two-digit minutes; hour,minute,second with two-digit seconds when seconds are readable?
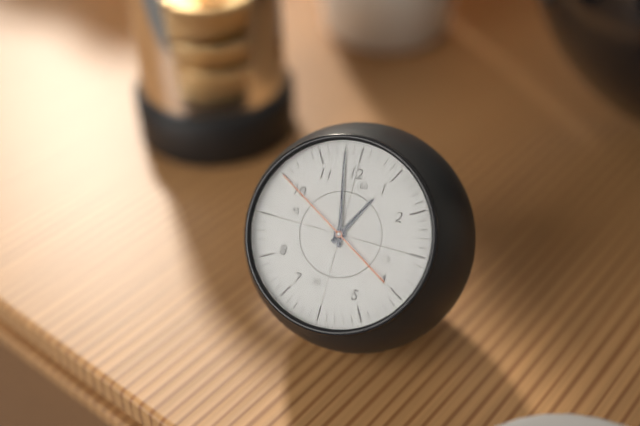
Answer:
12,58,50
